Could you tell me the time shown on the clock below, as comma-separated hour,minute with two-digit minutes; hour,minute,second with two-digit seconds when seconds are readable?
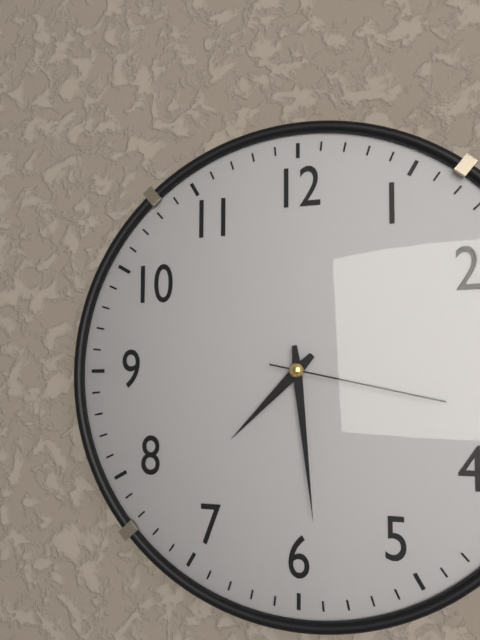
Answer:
7,29,17
